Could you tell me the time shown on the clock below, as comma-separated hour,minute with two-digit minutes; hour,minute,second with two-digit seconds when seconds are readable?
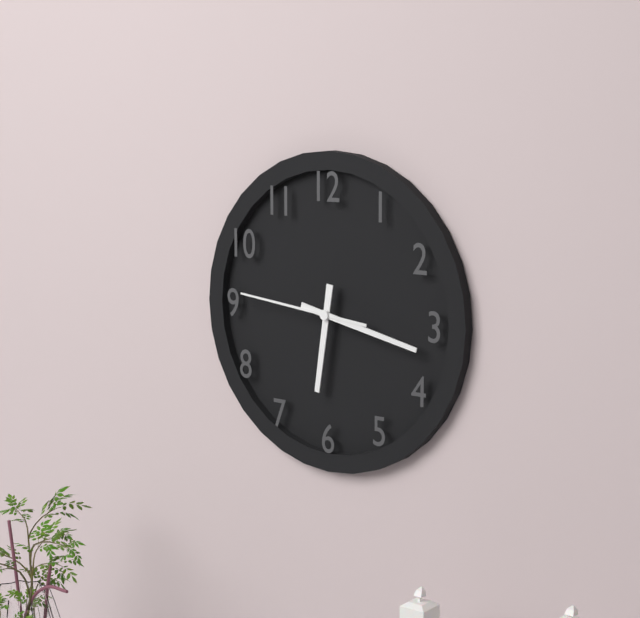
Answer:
6,17,46
